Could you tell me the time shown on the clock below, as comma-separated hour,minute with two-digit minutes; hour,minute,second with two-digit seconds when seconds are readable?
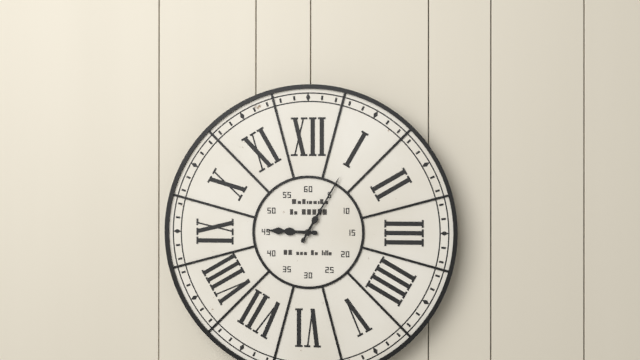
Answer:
9,05
